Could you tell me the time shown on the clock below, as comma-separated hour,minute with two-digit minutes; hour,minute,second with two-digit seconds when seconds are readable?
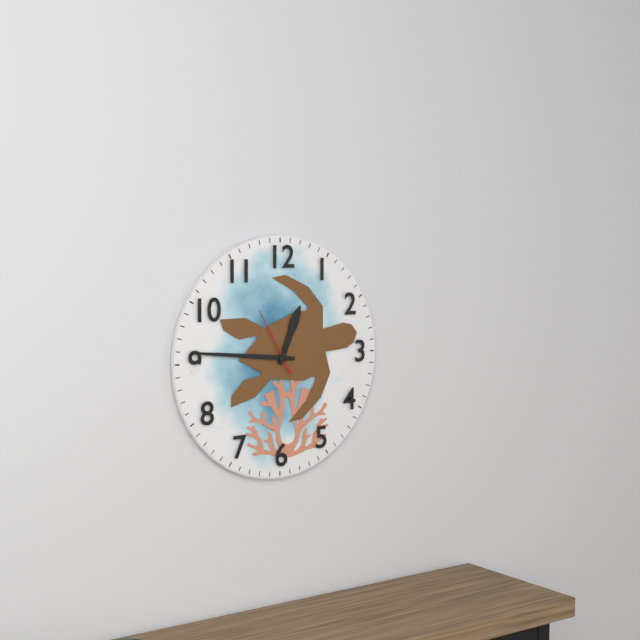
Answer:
12,46,55
